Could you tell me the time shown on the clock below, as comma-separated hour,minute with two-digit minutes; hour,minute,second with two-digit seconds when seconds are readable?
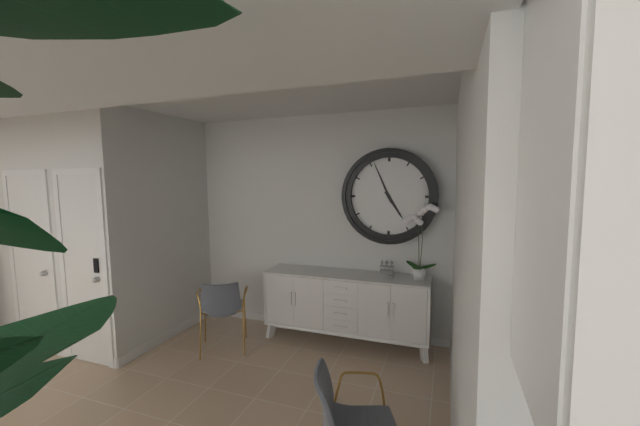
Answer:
4,56
